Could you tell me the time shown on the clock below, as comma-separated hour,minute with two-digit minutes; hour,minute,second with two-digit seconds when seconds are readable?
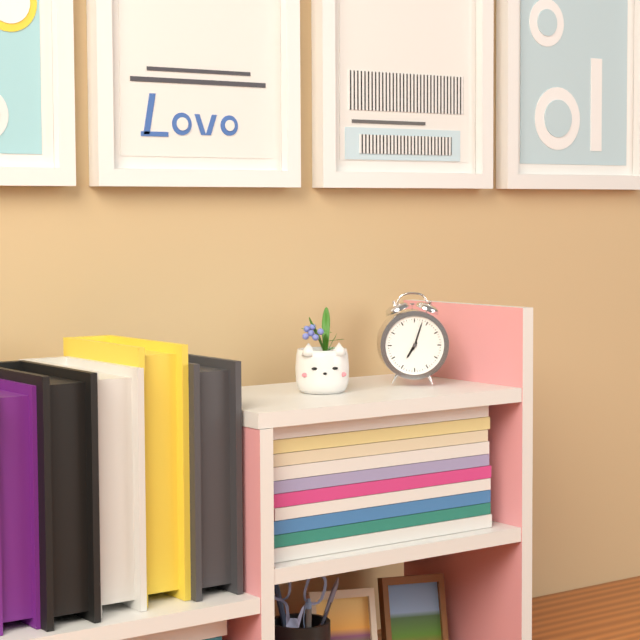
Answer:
7,03
